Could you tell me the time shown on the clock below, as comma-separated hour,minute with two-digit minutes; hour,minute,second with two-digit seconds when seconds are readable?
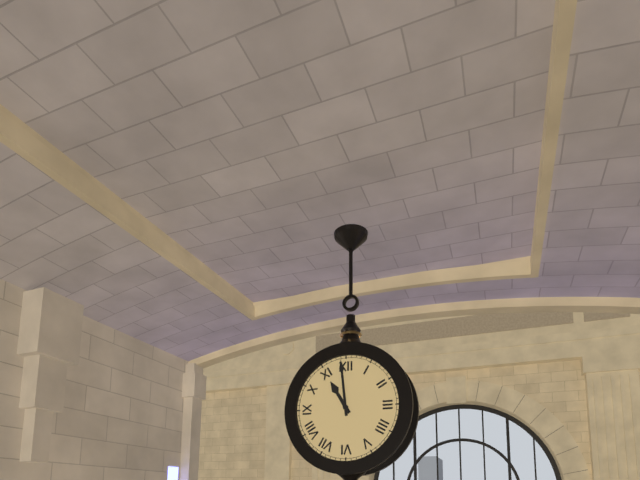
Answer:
10,59
